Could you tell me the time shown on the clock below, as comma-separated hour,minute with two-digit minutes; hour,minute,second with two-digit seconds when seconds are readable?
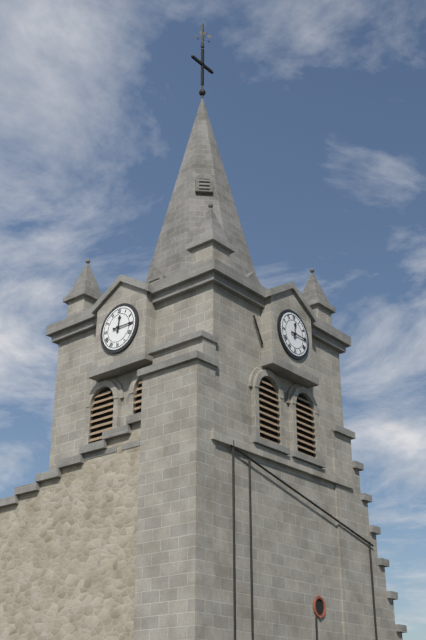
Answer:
12,15
